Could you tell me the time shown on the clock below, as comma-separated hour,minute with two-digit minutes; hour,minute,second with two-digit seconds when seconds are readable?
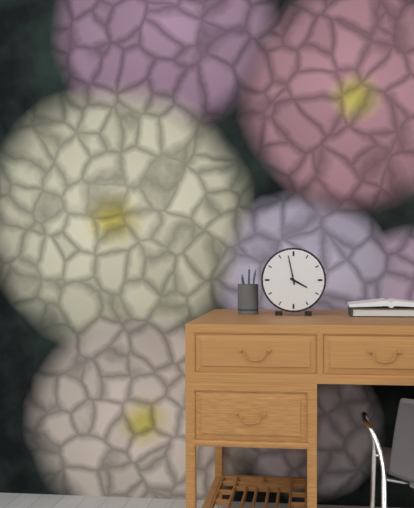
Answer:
3,58
